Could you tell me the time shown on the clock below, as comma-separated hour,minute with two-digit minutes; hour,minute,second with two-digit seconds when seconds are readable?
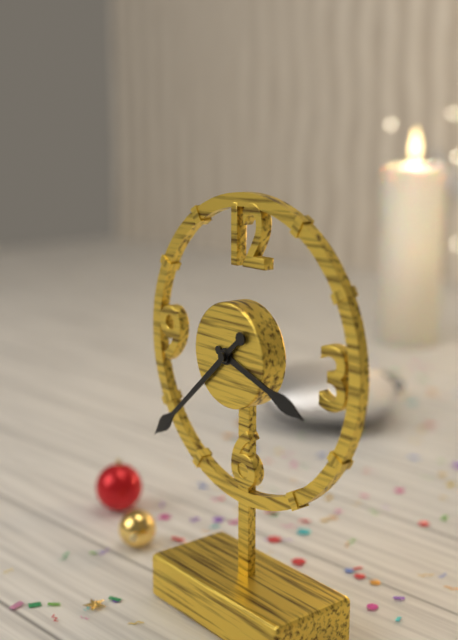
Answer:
3,38
